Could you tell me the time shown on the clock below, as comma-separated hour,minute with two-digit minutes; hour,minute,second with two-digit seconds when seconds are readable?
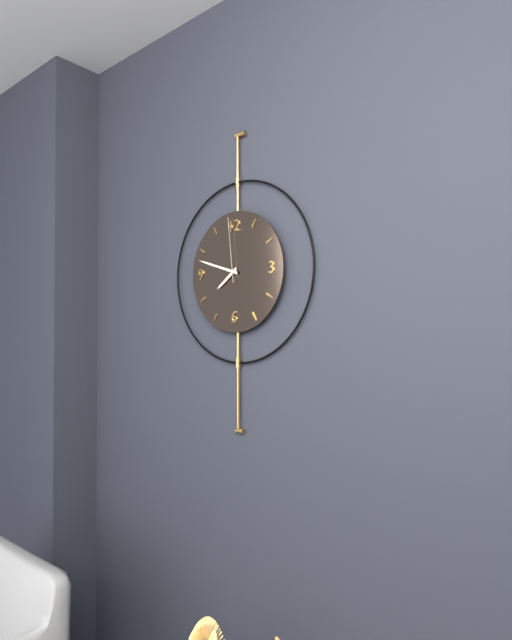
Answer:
7,48,59
